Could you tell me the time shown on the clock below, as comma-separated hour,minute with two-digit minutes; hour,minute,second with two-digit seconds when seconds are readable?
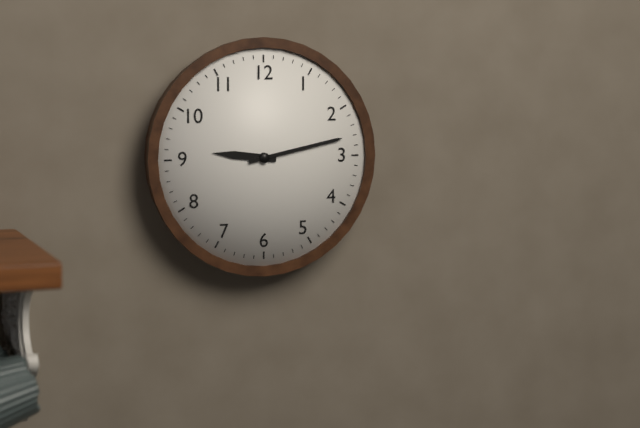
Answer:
9,13
